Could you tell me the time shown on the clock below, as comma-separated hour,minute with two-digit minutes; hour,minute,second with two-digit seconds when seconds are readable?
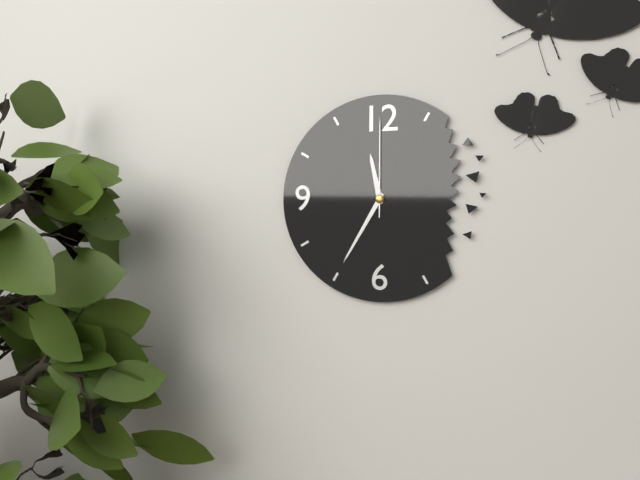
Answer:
11,35,00
